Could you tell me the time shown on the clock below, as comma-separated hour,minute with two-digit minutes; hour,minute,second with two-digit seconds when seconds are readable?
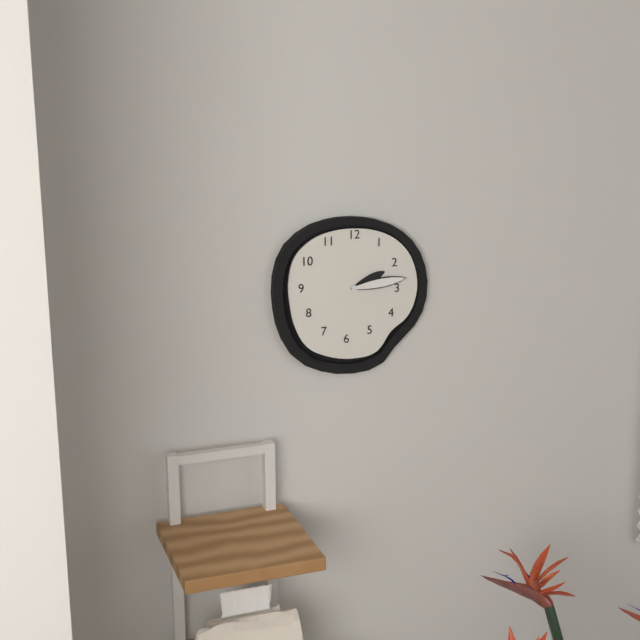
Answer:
2,14
